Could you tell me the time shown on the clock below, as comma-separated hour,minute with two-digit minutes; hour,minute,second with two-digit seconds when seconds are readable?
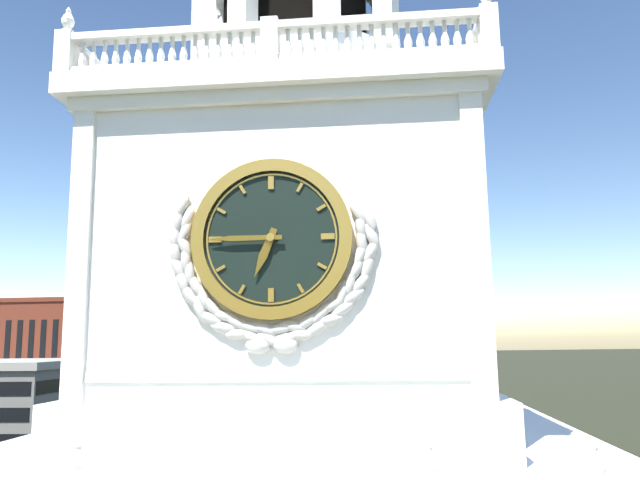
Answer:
6,45
